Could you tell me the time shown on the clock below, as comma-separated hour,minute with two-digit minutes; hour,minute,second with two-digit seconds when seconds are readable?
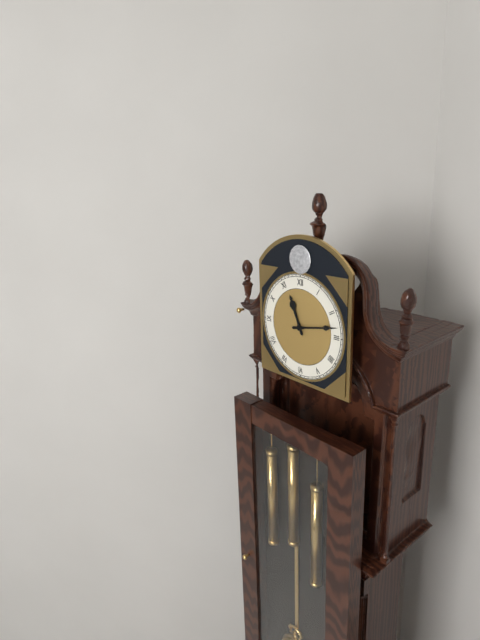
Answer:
11,13
